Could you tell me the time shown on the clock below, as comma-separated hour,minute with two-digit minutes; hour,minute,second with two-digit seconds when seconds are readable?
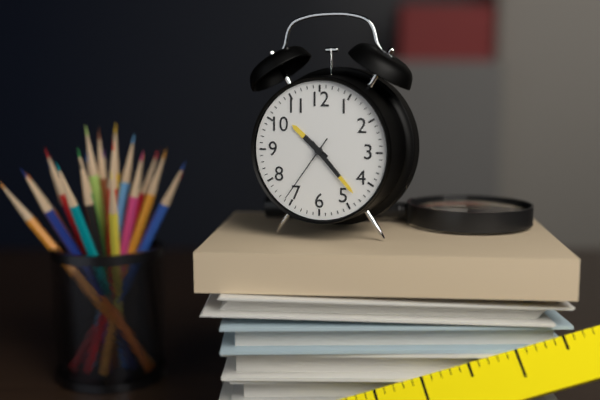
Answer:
10,23,36
